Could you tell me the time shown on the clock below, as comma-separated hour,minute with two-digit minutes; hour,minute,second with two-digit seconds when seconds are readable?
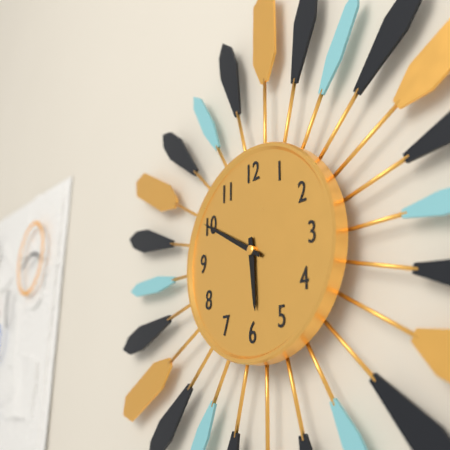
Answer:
5,50
